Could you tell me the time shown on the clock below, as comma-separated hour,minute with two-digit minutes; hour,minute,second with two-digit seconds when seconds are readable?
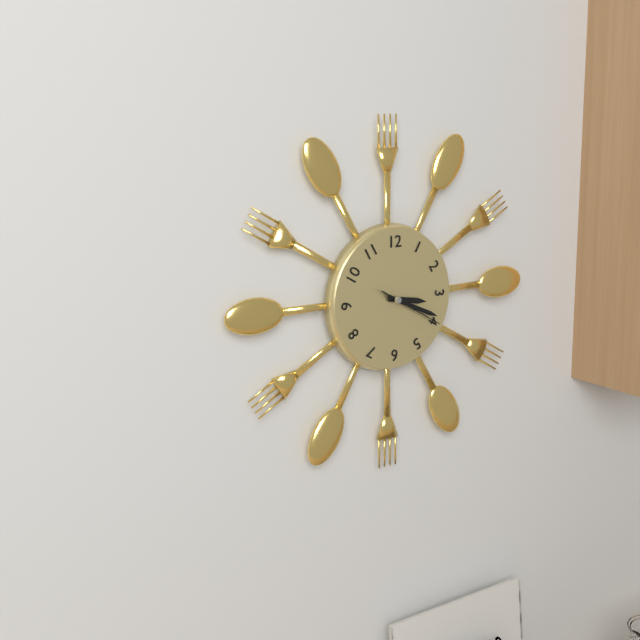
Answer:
3,19,20
